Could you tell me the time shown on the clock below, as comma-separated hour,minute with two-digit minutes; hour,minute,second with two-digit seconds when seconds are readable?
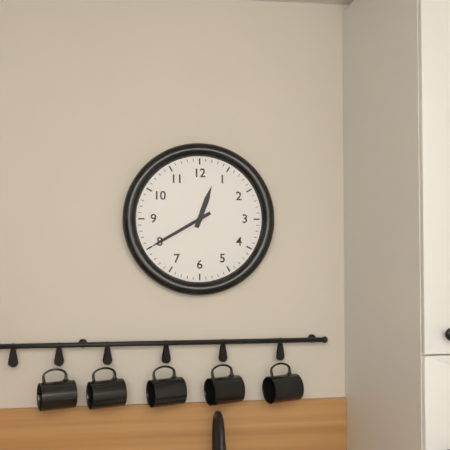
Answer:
12,40
